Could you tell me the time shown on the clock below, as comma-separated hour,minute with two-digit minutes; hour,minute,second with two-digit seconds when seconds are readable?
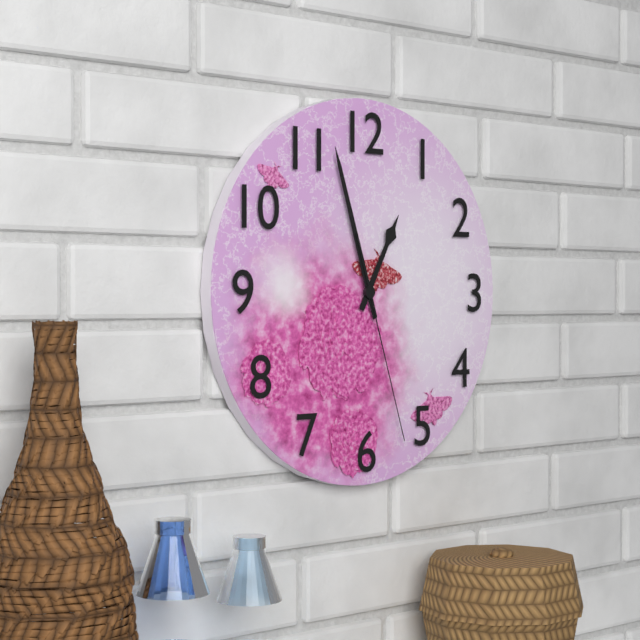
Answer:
12,57,27
